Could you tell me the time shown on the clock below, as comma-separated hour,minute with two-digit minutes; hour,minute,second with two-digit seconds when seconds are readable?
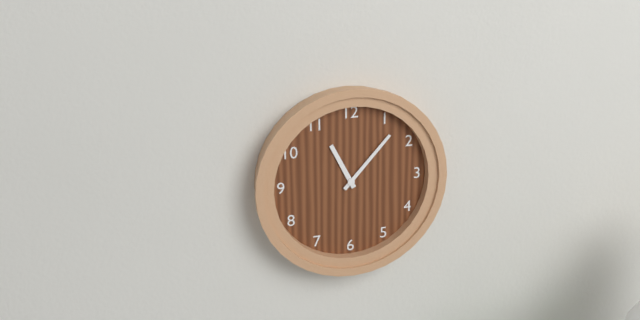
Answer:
11,07
